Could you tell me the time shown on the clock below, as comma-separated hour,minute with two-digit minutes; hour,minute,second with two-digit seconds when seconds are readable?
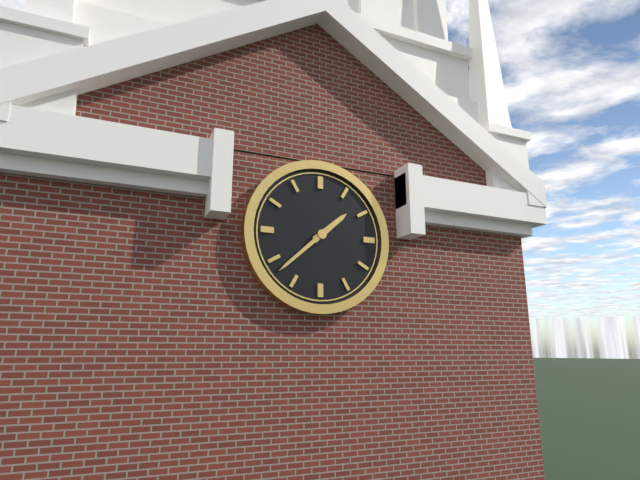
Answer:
1,38
